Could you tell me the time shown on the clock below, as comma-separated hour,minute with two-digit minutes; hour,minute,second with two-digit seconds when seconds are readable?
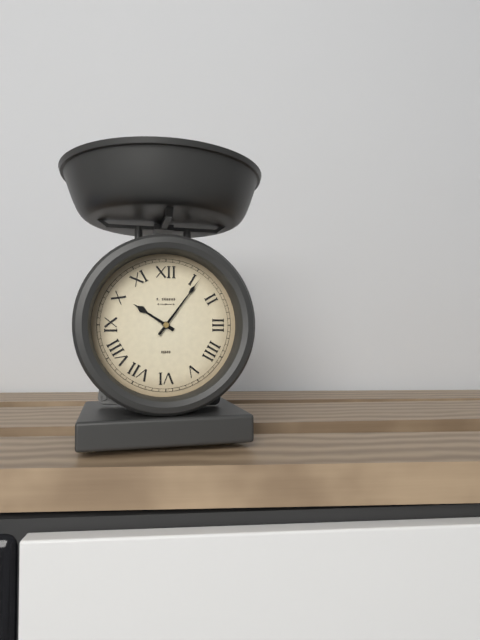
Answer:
10,06
